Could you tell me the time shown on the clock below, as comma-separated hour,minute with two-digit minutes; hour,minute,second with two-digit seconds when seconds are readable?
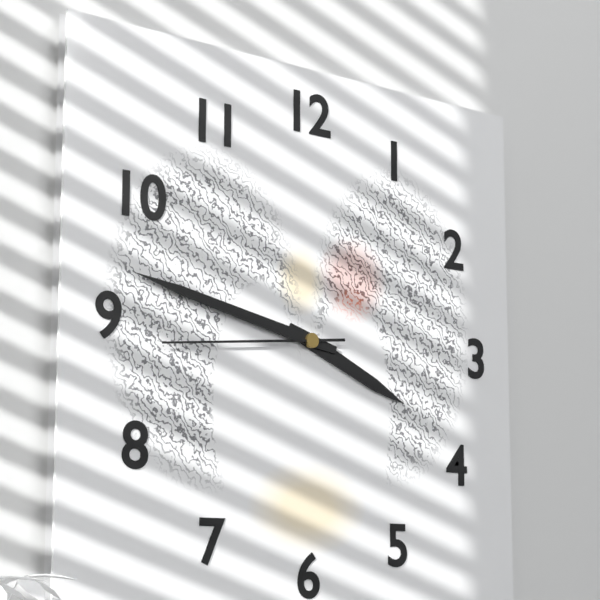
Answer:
3,47,44
